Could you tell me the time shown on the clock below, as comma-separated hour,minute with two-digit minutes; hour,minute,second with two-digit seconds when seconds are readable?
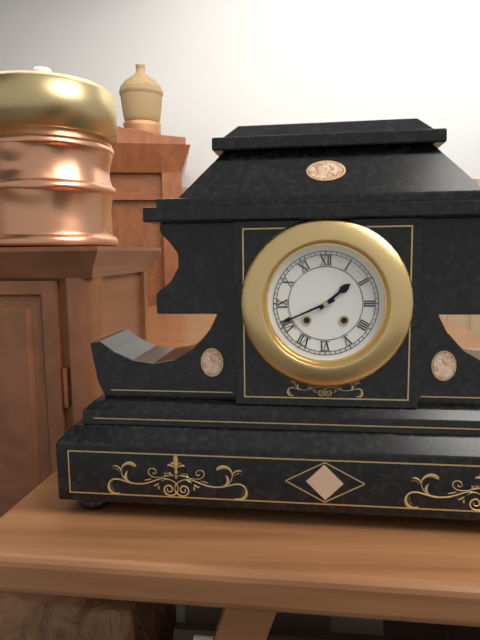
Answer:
1,41
